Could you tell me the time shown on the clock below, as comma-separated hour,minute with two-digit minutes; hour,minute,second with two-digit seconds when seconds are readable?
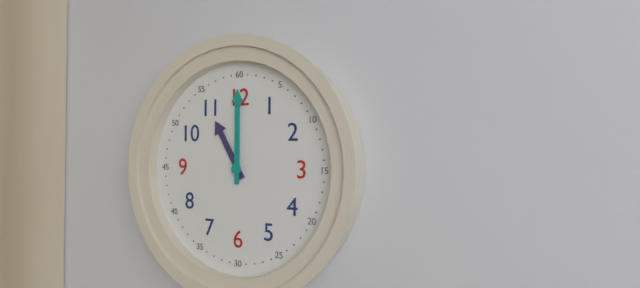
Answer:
11,00
